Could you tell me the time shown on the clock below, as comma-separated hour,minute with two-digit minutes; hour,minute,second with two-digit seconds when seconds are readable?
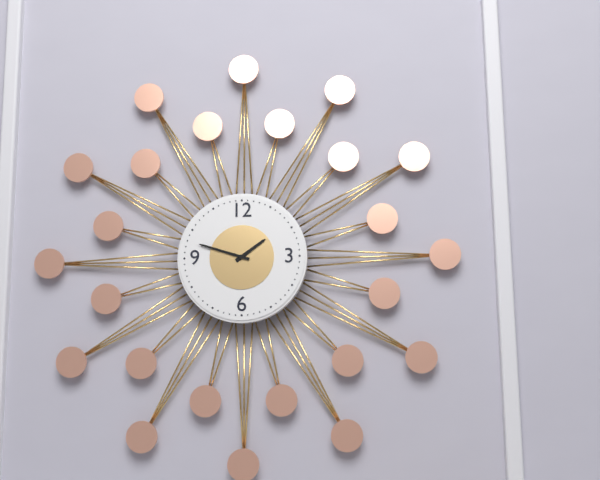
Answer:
1,48
